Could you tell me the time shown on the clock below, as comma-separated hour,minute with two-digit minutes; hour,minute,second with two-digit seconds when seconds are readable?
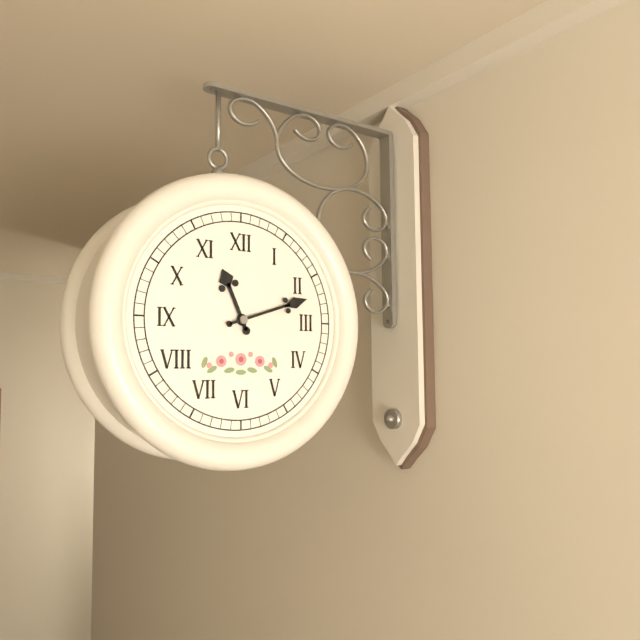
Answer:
11,12
